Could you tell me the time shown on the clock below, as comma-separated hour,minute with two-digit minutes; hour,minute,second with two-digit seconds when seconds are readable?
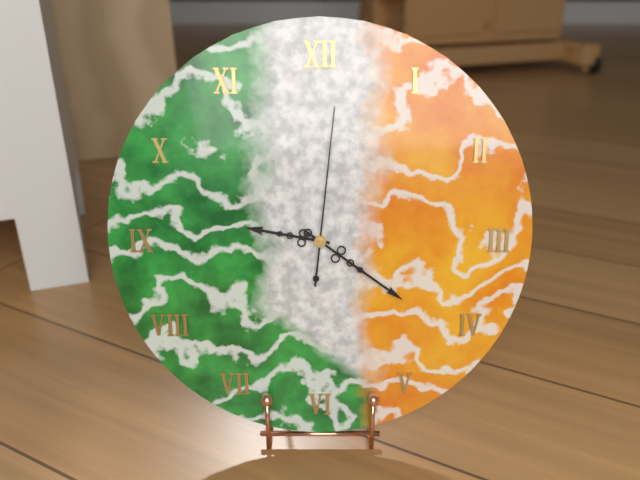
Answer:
9,21,01
